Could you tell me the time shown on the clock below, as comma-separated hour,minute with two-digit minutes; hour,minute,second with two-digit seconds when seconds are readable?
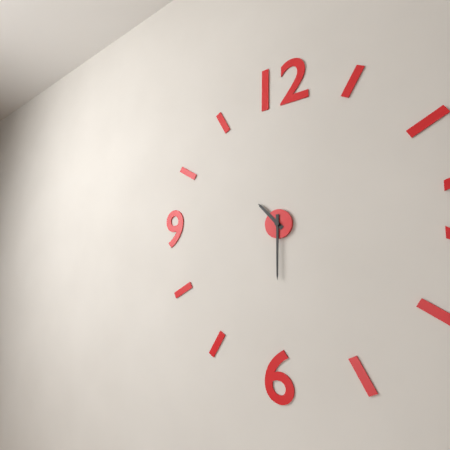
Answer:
10,30
